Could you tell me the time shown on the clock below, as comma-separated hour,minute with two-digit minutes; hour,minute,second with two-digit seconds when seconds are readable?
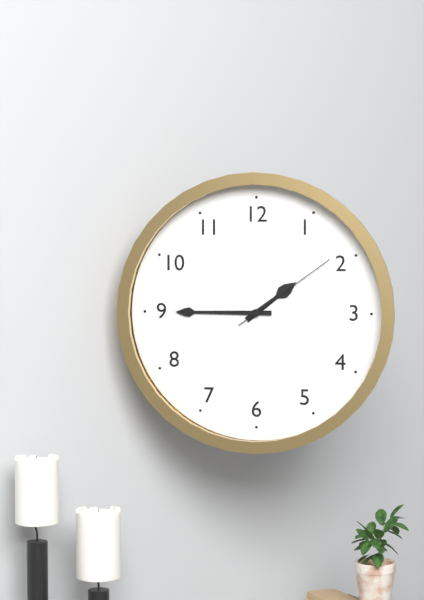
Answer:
1,45,09
